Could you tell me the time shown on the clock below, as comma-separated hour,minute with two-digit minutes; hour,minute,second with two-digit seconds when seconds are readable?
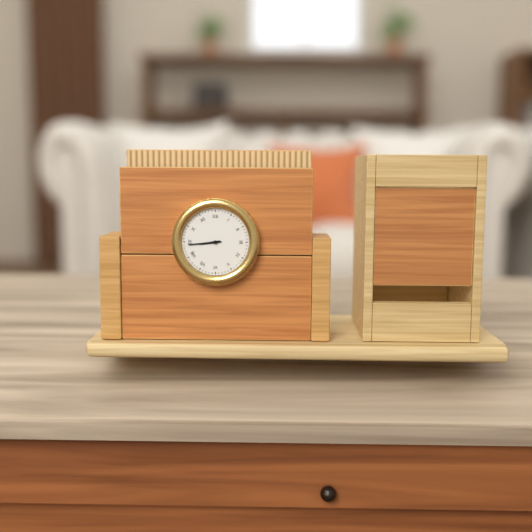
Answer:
8,44
